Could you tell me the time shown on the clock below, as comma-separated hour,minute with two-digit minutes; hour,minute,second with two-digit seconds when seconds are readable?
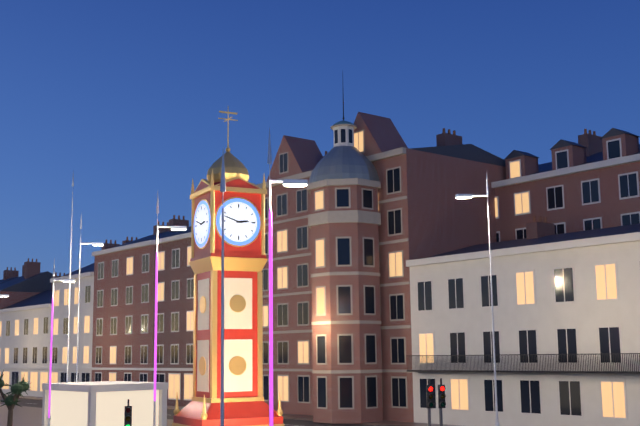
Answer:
2,48
